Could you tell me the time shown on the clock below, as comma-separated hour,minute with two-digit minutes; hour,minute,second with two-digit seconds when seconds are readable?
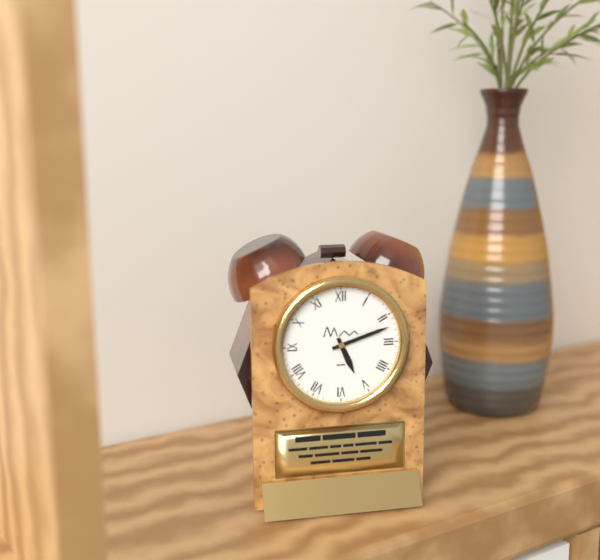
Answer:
5,12
